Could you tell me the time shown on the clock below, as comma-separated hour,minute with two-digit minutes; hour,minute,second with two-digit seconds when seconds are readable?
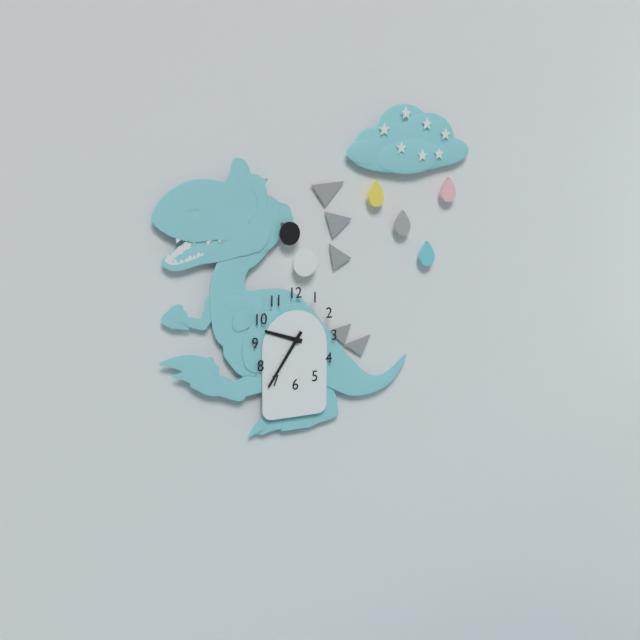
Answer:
9,36
